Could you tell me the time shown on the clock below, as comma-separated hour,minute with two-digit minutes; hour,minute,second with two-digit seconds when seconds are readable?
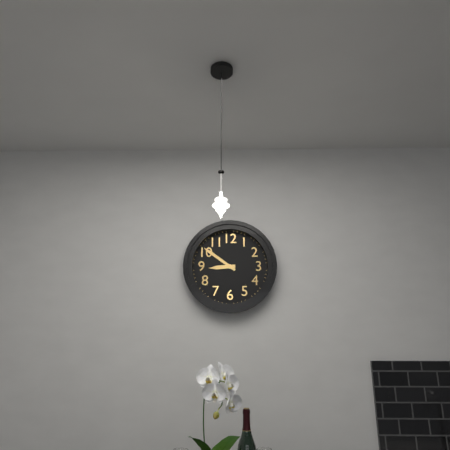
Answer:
8,51
